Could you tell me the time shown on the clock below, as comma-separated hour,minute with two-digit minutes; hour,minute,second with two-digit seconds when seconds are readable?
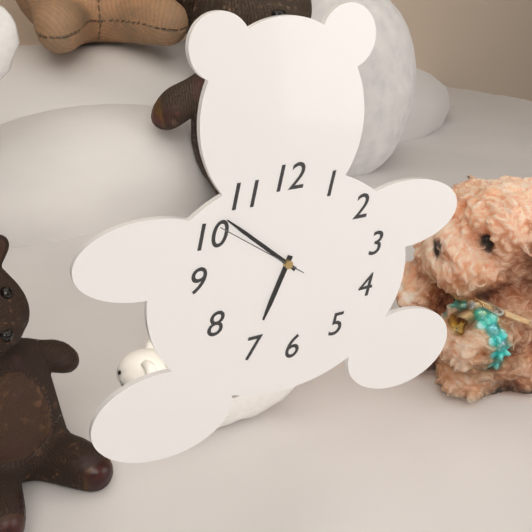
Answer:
6,52,51
